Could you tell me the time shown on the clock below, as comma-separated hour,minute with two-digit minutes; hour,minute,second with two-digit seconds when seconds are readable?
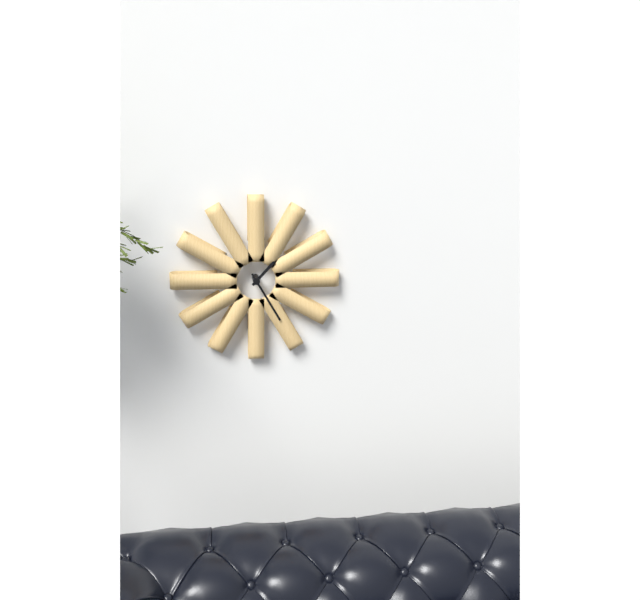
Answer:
1,25
